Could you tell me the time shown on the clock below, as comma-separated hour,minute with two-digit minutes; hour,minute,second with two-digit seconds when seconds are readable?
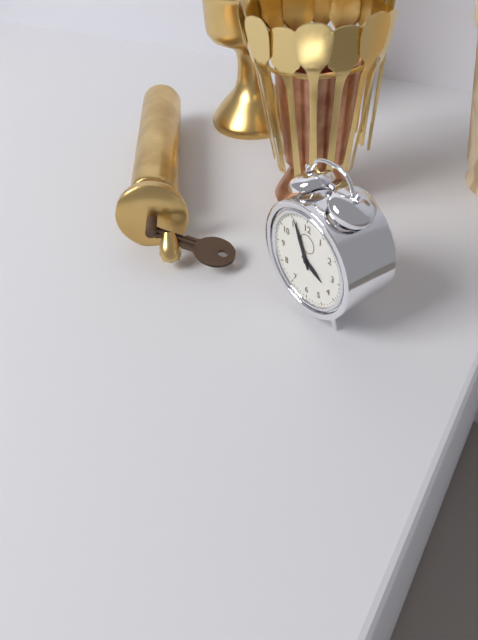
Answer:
3,56
